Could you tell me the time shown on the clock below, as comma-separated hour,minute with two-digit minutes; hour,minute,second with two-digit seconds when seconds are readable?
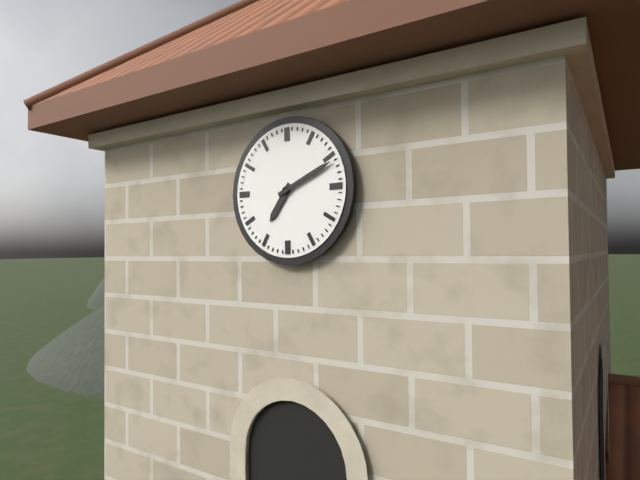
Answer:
7,11
